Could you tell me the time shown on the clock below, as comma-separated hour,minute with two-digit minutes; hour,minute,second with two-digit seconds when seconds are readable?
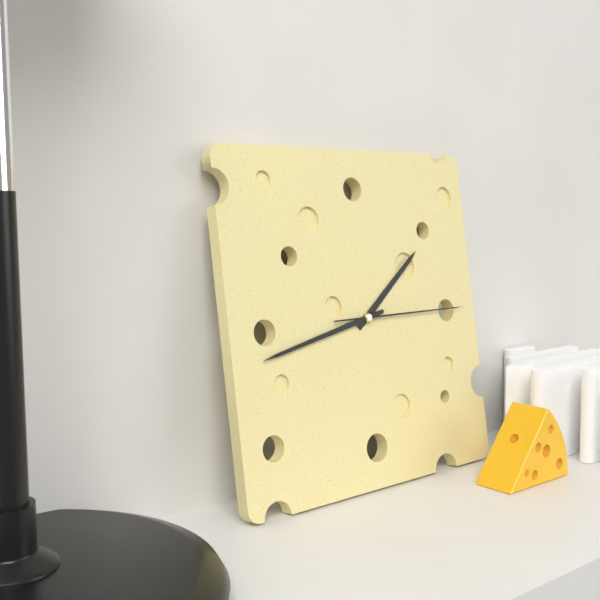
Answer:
1,43,15
